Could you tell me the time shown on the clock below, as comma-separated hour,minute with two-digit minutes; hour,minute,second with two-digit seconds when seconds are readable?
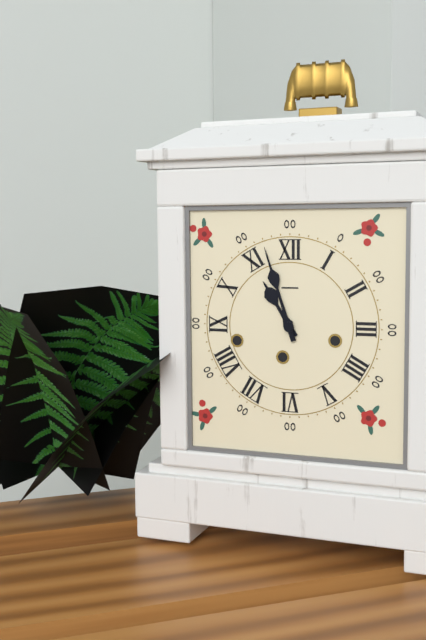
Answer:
10,57
